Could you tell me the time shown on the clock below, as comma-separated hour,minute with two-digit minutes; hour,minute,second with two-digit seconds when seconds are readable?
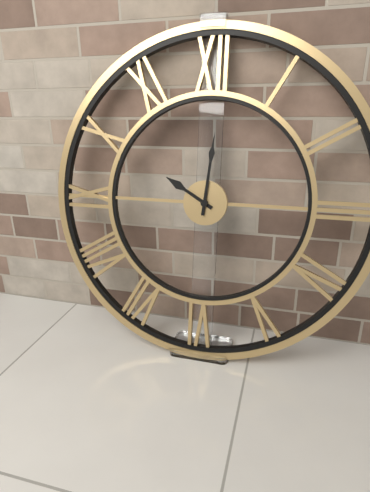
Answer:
10,01
